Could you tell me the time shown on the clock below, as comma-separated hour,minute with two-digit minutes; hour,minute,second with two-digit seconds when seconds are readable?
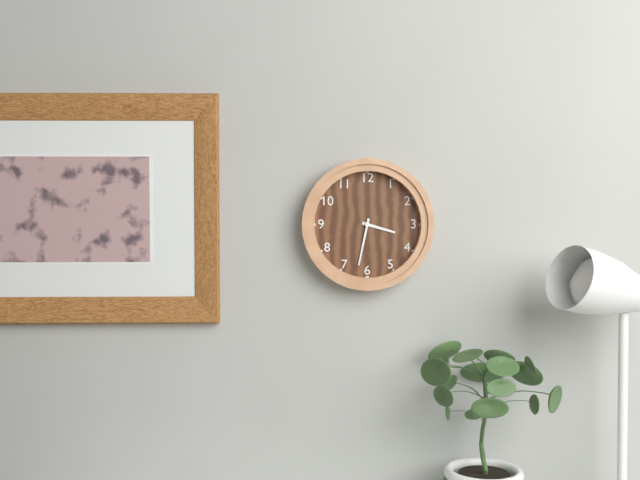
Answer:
3,32
